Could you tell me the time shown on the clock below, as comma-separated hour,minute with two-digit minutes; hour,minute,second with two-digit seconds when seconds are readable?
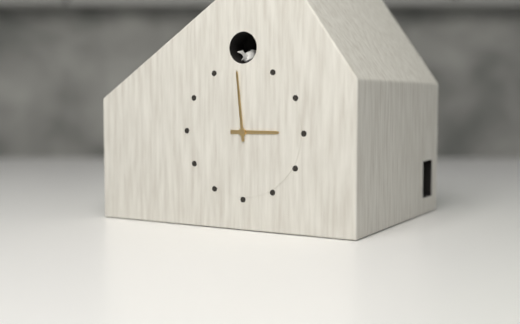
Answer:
2,59
